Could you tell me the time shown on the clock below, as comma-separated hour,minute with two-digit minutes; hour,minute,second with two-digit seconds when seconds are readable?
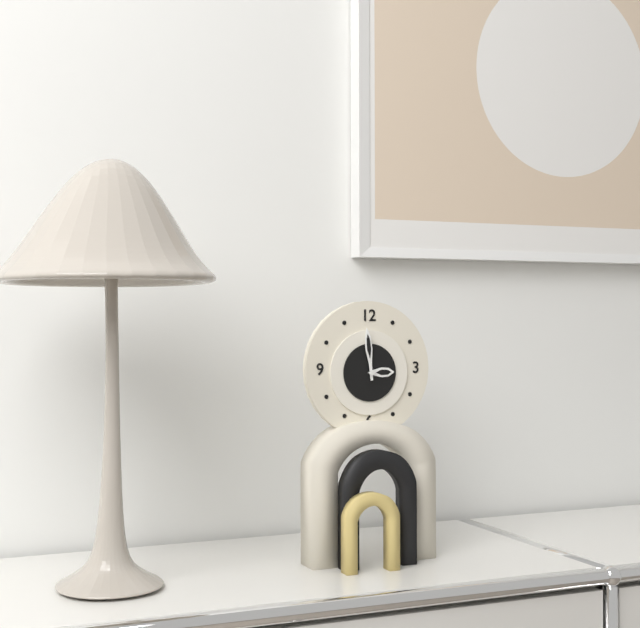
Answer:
2,59
